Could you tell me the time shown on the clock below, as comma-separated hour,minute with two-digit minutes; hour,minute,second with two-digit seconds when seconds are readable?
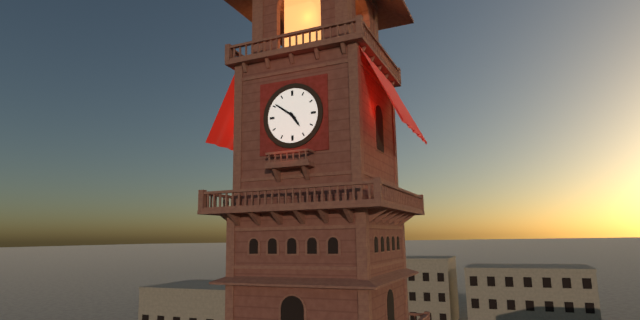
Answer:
4,51
